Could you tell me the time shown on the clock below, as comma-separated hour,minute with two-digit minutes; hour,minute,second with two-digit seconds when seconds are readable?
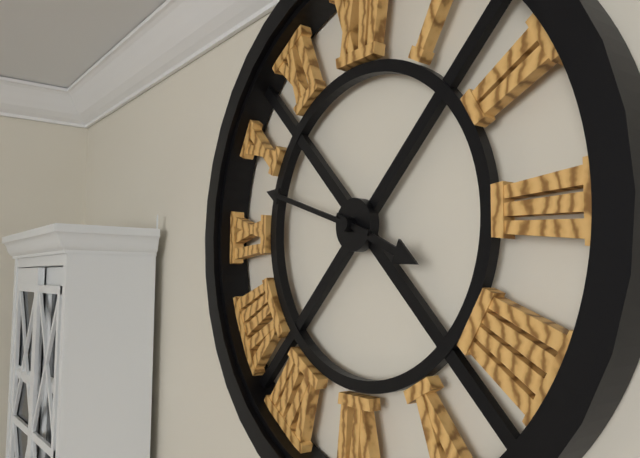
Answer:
3,48
